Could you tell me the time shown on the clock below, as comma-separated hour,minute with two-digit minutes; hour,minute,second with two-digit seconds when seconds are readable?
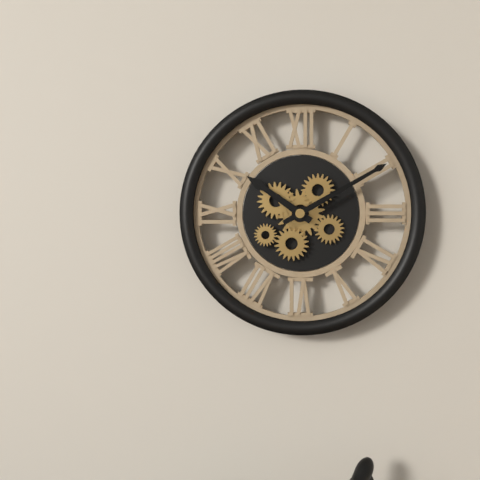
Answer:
10,10
